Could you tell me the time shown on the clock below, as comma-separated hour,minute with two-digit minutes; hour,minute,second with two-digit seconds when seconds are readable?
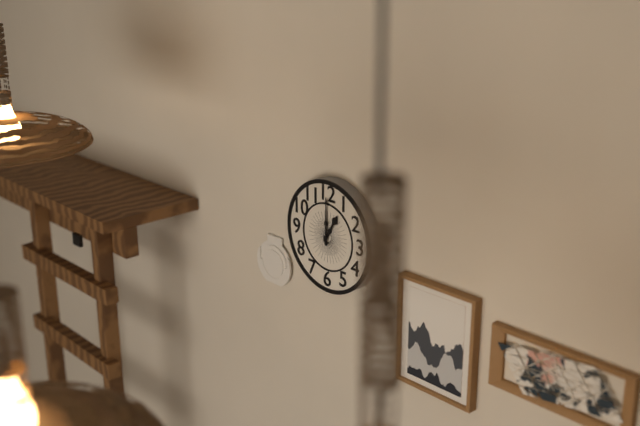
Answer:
1,00
